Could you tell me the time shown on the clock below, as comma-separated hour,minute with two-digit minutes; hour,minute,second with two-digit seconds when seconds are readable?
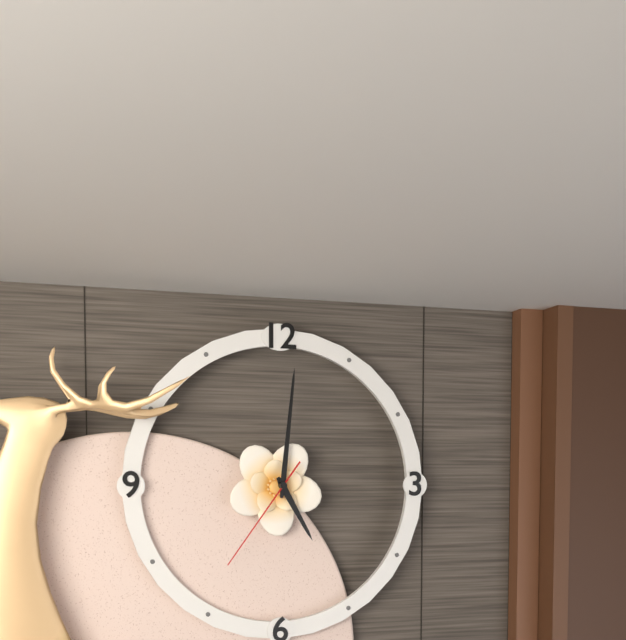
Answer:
5,01,36
